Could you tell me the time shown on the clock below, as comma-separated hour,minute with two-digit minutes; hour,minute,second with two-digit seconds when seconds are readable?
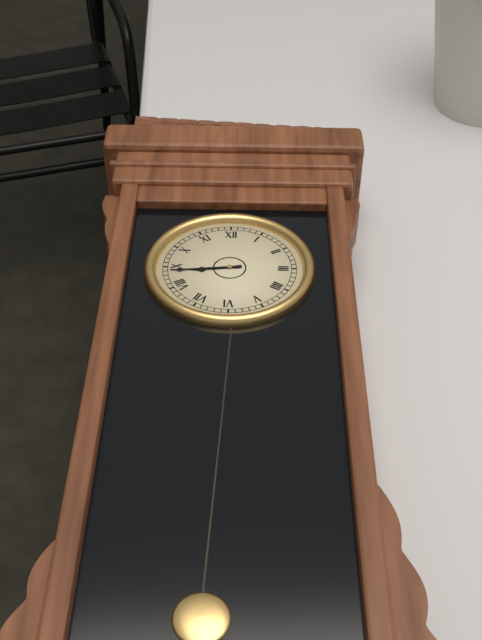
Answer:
8,44
